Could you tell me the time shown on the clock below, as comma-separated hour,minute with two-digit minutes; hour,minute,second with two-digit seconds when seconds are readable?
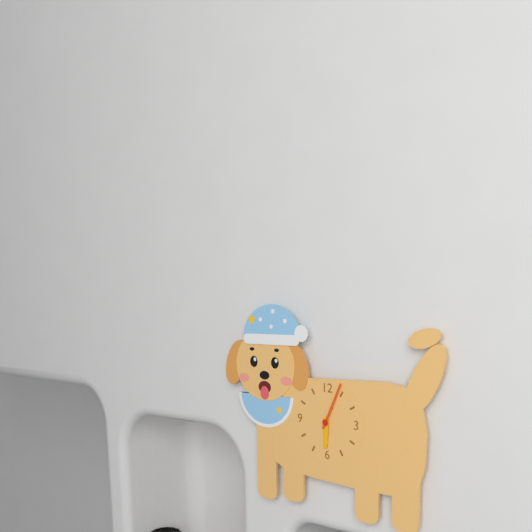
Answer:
6,04
